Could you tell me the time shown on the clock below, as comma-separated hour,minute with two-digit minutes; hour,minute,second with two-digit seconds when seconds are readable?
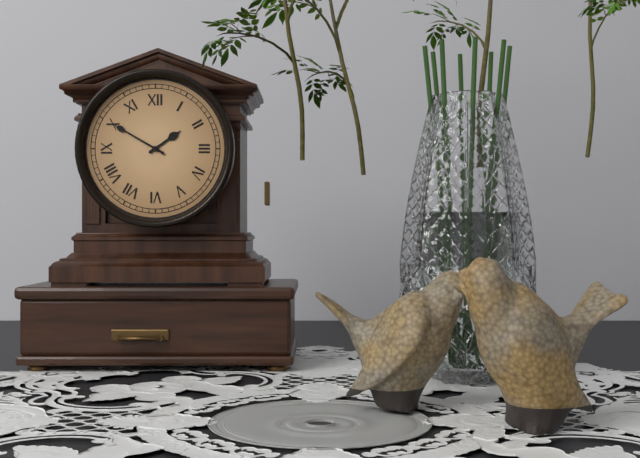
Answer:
1,50
